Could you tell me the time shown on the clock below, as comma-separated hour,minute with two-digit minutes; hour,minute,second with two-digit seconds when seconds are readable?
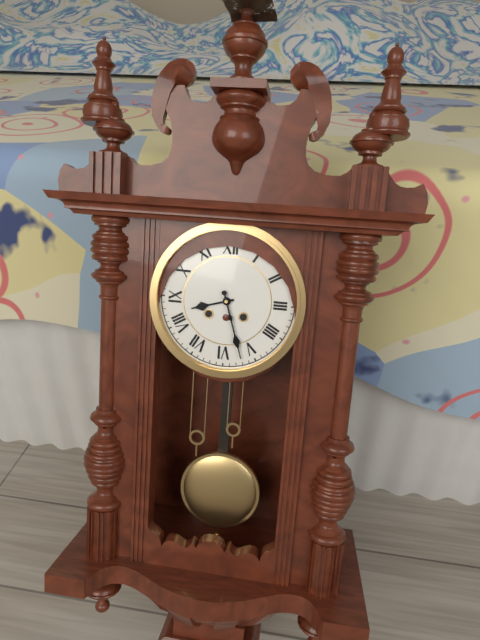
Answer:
8,27
